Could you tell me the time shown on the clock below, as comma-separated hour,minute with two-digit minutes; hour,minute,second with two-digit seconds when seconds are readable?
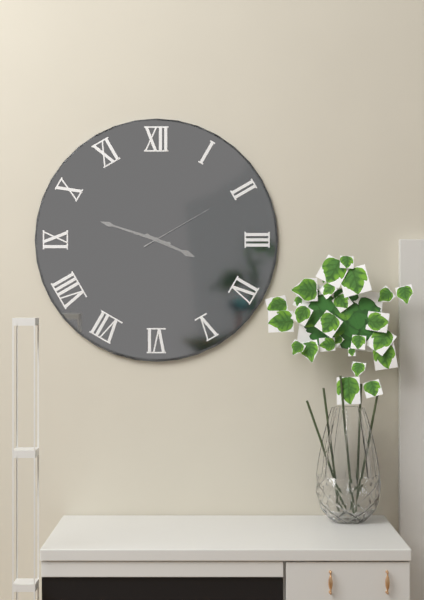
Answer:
3,48,10
